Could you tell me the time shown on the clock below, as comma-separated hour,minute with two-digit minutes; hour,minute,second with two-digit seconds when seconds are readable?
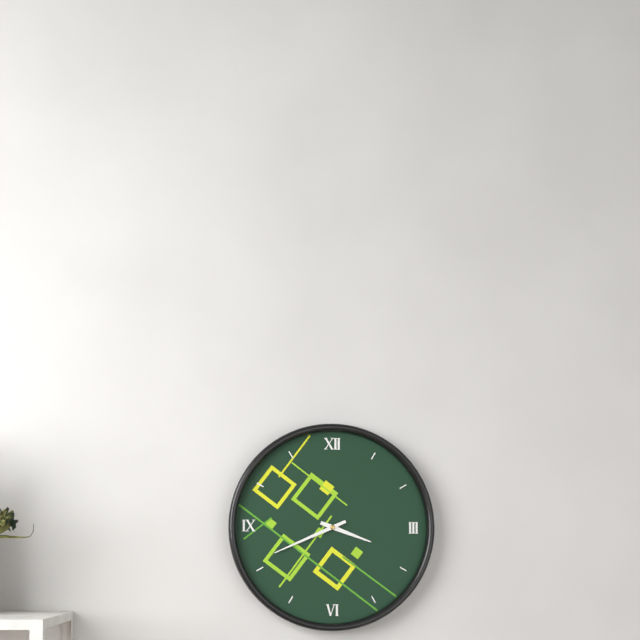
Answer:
3,41
